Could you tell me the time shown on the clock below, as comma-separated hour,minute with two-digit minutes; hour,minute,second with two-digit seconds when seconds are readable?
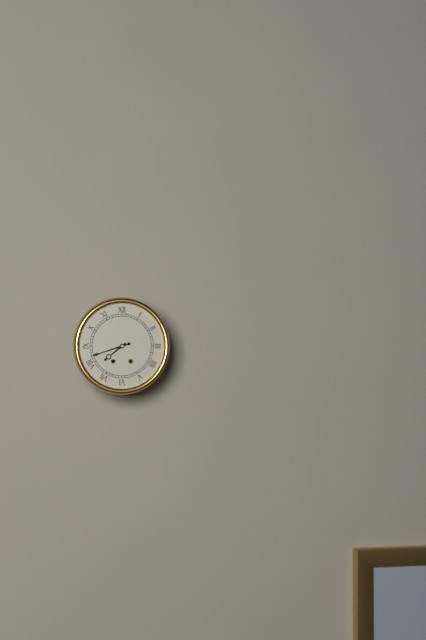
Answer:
7,42
